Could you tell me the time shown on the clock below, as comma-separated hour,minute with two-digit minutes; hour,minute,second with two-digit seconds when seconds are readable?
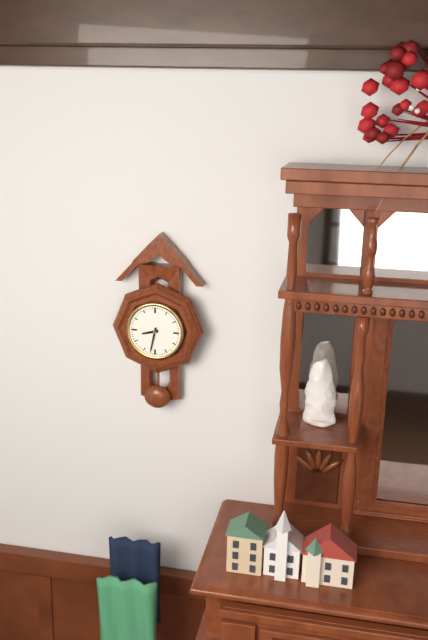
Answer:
8,32
